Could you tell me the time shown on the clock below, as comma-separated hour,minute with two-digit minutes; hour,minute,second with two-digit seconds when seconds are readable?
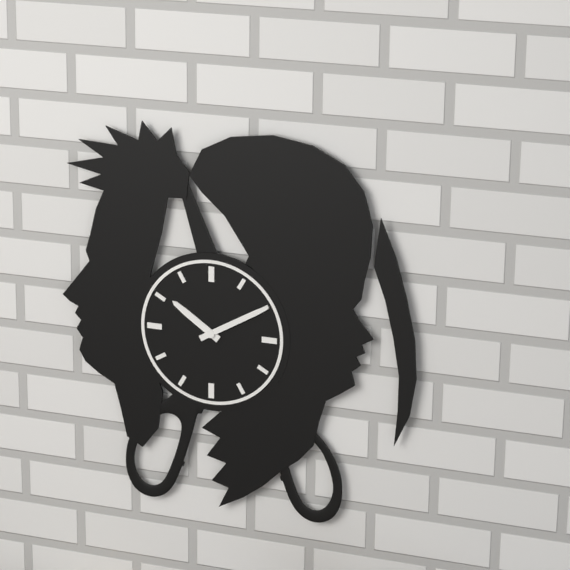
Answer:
10,10
